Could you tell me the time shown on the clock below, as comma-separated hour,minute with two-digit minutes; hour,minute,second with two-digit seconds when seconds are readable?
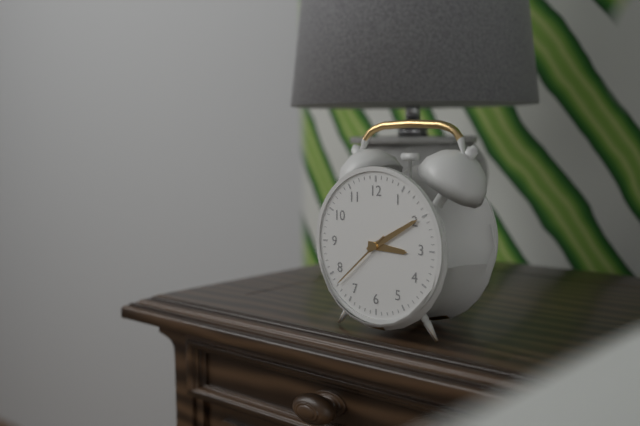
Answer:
3,10,38
